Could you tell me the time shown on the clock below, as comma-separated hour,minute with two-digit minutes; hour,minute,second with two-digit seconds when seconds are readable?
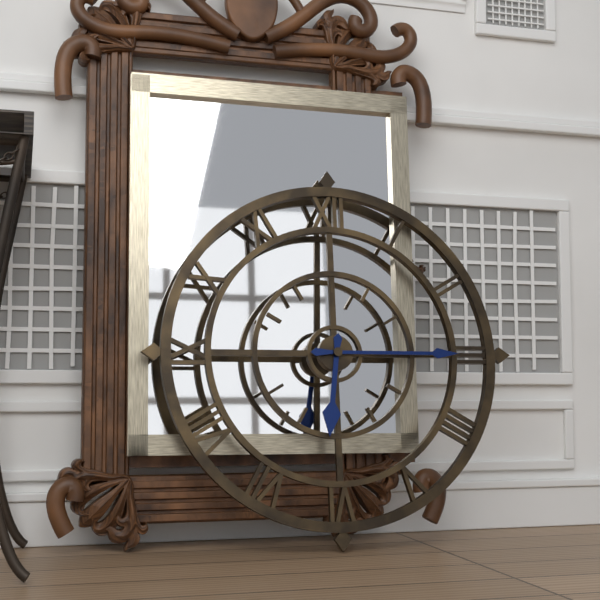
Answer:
6,15
